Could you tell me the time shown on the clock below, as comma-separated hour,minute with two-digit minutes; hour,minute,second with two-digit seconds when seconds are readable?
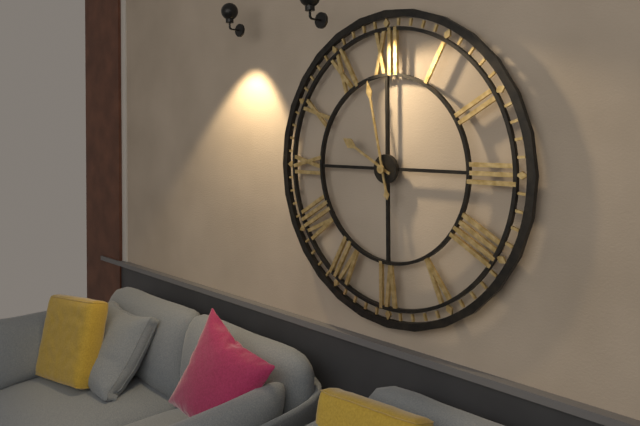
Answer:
9,58
